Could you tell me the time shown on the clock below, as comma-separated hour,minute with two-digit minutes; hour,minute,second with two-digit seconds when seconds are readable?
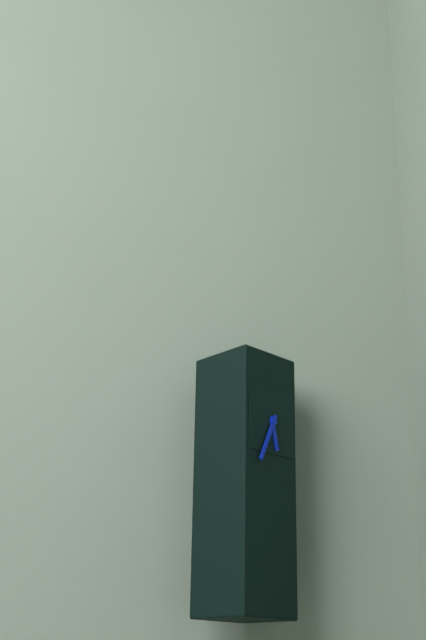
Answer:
5,34
